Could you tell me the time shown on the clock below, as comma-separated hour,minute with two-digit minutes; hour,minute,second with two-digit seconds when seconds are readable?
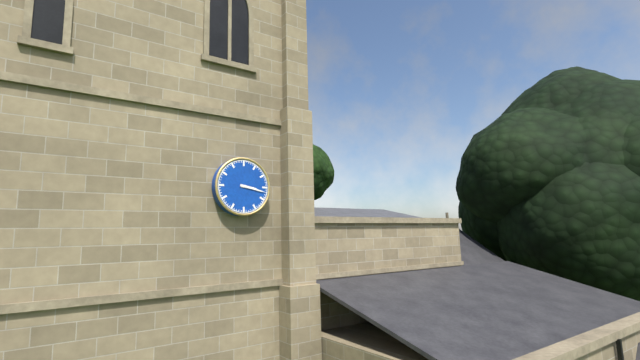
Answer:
3,17
